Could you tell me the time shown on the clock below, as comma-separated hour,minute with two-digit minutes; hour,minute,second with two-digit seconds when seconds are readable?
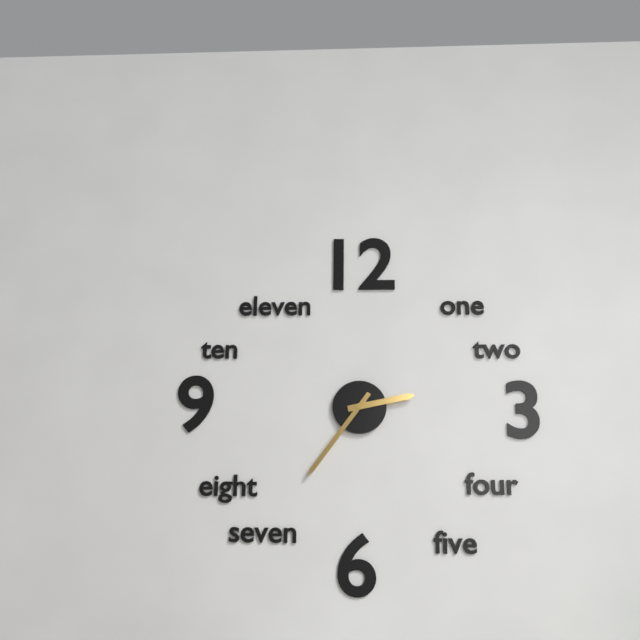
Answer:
2,36
